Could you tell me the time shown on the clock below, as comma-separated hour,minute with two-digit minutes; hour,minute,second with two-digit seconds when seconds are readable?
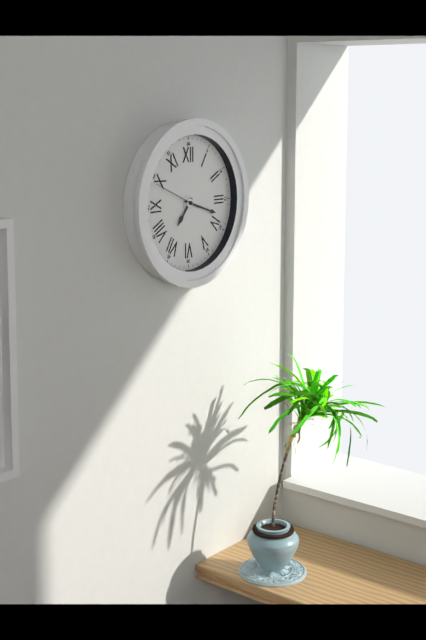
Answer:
7,18
